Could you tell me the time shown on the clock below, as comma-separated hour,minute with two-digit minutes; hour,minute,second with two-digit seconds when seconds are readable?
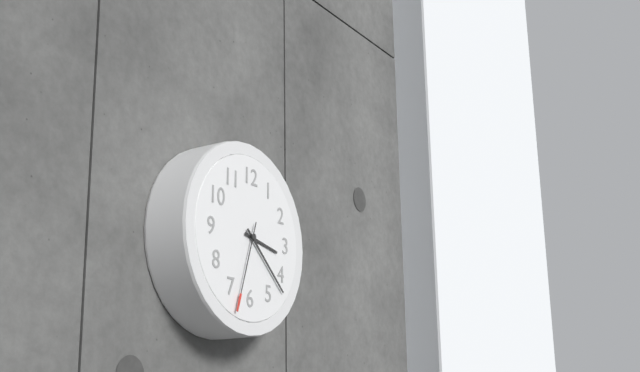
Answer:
3,22,33
